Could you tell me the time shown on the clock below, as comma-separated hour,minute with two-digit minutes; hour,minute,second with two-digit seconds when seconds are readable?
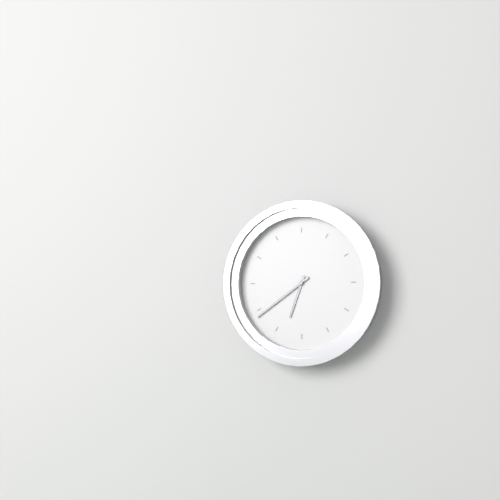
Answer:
6,39
